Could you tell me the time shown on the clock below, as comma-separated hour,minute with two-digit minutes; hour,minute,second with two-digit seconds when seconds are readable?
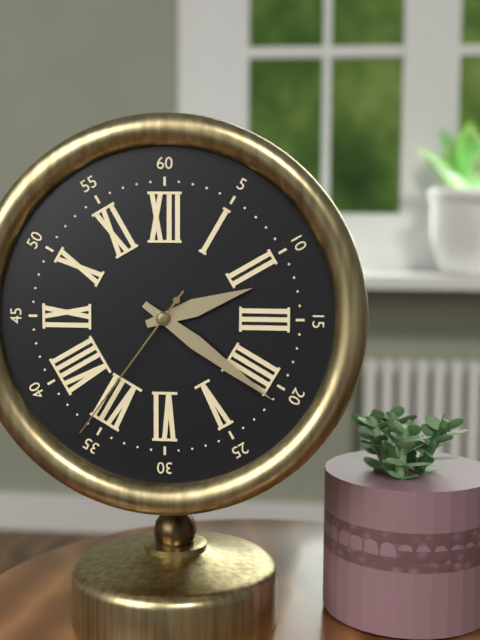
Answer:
2,21,36
